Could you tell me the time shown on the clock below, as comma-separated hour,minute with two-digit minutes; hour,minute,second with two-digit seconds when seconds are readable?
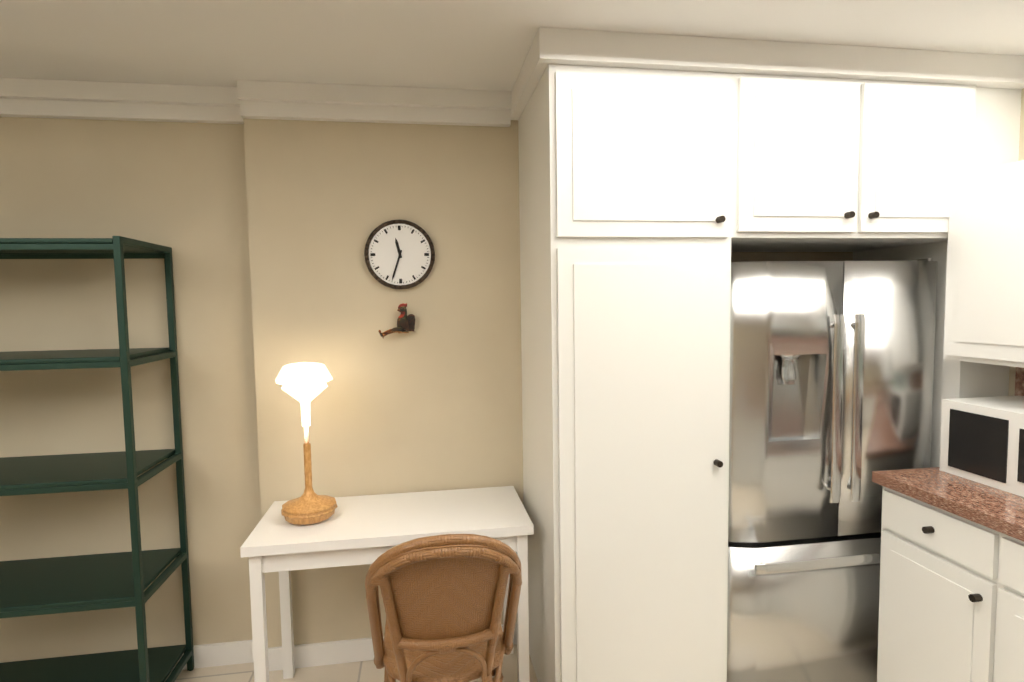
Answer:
11,33
